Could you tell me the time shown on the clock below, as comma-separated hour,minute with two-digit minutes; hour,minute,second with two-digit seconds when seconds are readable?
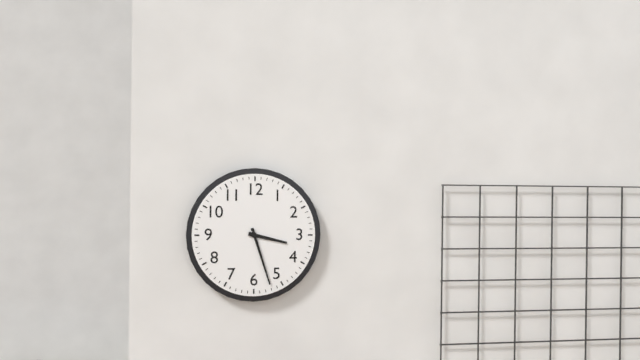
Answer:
3,27
